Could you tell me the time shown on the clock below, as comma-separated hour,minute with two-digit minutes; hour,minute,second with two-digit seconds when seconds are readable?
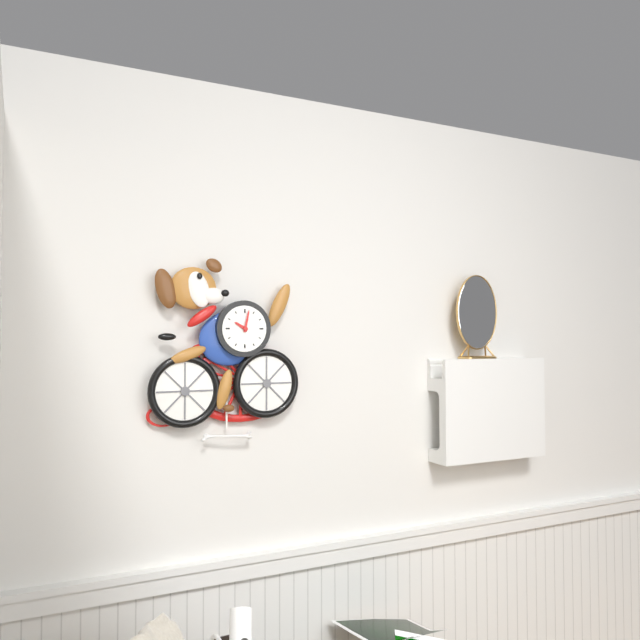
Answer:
10,02
